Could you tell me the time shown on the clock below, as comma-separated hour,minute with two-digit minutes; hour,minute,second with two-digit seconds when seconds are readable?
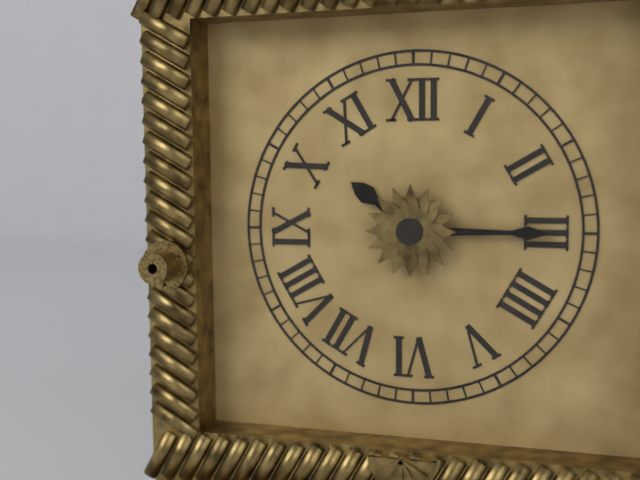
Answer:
10,15
